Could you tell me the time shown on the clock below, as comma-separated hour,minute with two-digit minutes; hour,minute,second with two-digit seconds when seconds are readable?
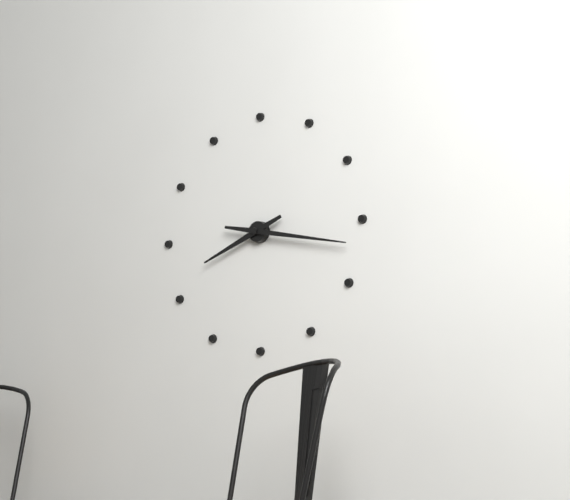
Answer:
8,17
